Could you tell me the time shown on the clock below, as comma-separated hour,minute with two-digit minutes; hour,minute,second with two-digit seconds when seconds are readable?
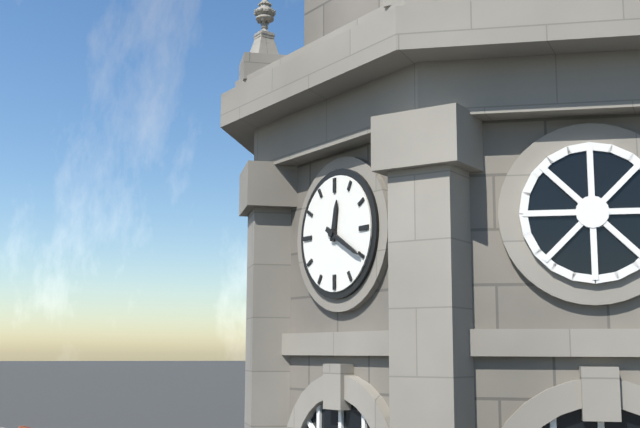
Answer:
12,20
